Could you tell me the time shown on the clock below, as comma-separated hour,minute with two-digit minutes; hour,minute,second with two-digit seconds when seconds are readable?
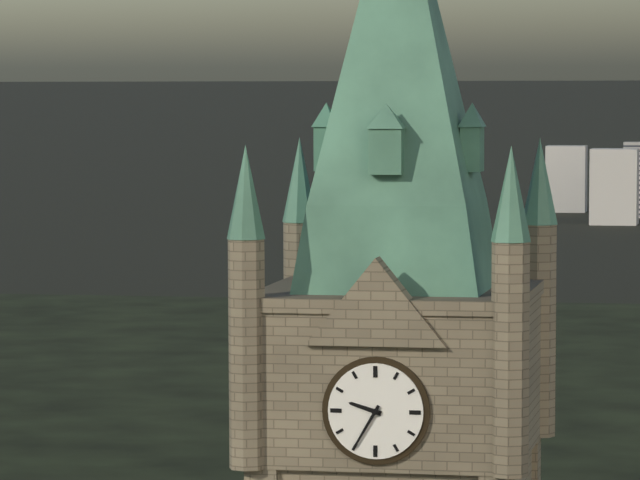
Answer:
9,35
